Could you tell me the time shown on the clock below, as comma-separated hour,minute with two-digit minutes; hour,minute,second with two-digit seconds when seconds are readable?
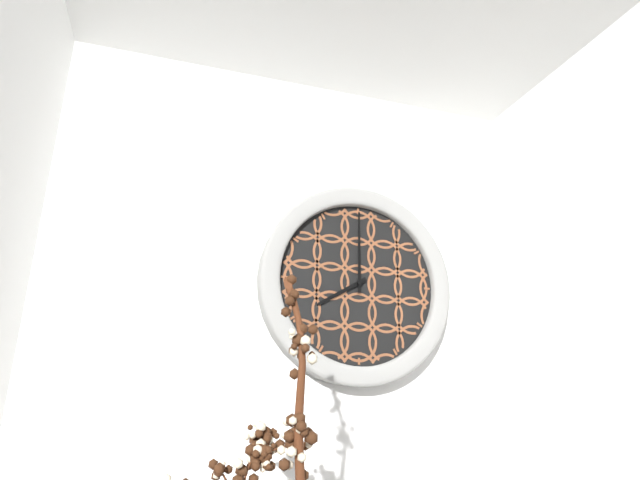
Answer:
8,00
